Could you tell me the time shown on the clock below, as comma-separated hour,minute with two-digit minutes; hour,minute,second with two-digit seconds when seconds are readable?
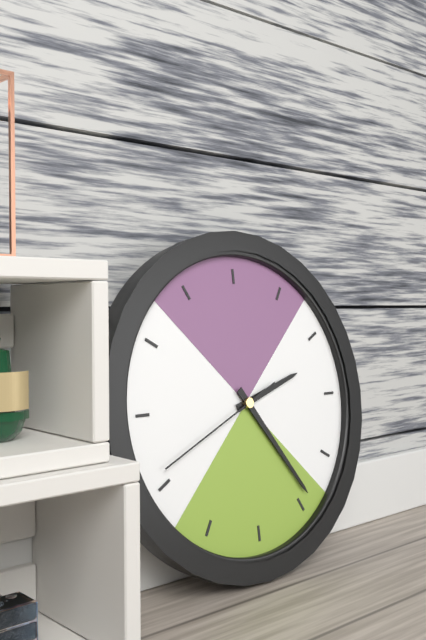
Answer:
2,24,41
